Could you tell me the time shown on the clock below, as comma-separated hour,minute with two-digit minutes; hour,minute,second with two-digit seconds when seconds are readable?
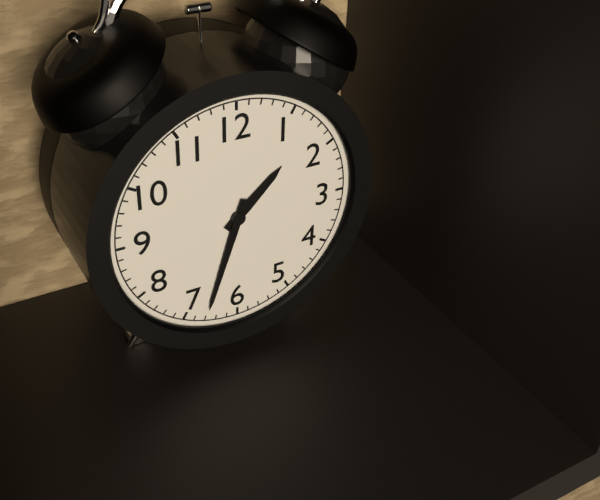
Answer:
1,33
